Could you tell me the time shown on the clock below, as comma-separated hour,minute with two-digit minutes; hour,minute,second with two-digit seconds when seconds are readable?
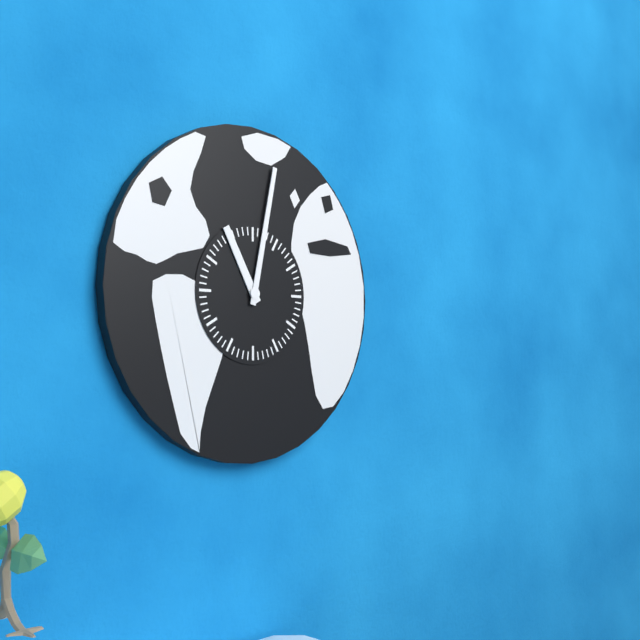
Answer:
11,02
